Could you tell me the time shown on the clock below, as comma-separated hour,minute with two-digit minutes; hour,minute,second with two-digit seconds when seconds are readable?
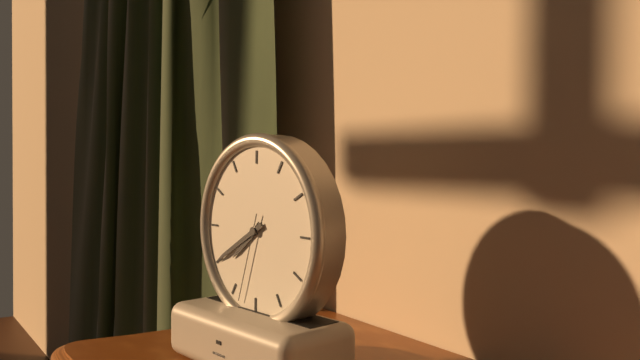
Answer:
7,40,33
